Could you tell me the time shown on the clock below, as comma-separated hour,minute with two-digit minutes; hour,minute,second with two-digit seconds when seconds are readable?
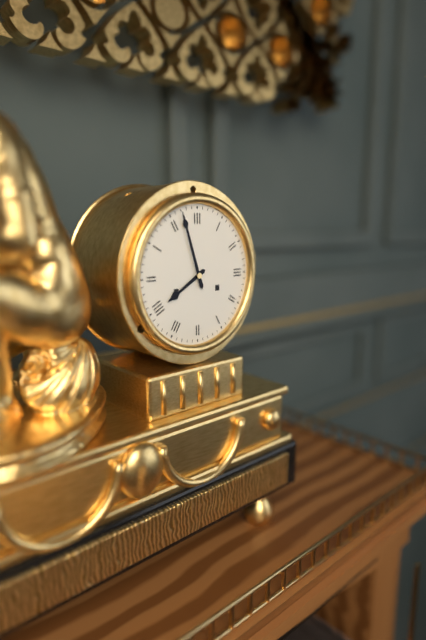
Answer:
7,57
